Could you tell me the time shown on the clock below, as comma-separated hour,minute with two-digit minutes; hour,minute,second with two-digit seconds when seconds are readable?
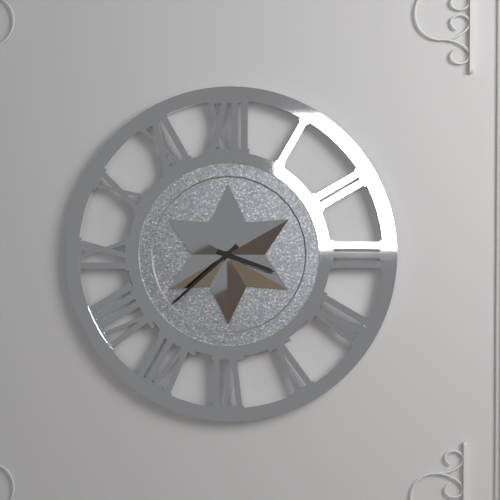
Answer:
3,38
